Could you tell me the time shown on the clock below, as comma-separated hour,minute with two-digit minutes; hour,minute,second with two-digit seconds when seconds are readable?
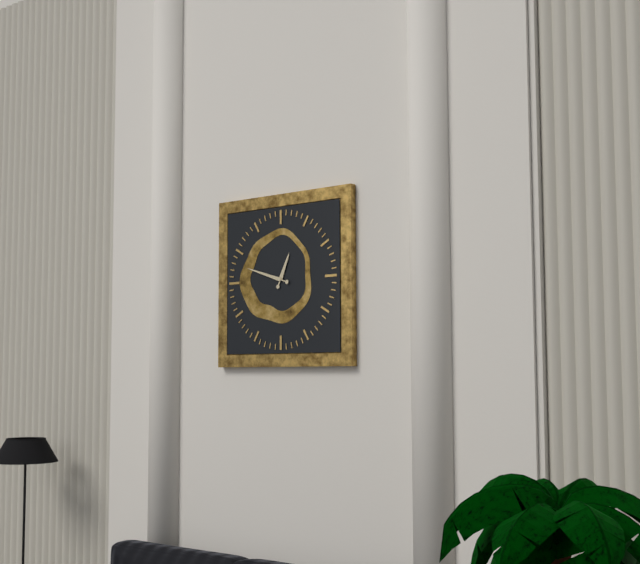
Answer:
12,48
